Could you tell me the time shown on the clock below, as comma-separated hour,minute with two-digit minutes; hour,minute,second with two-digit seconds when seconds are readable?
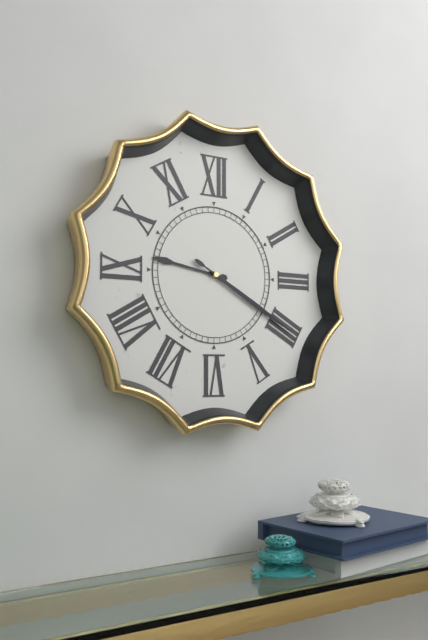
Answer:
9,20
